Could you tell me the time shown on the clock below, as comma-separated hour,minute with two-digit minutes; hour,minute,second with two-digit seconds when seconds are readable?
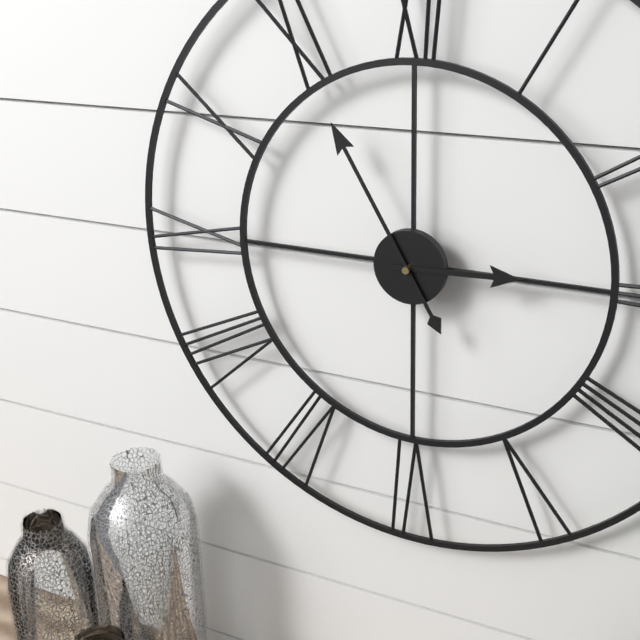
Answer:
2,55
